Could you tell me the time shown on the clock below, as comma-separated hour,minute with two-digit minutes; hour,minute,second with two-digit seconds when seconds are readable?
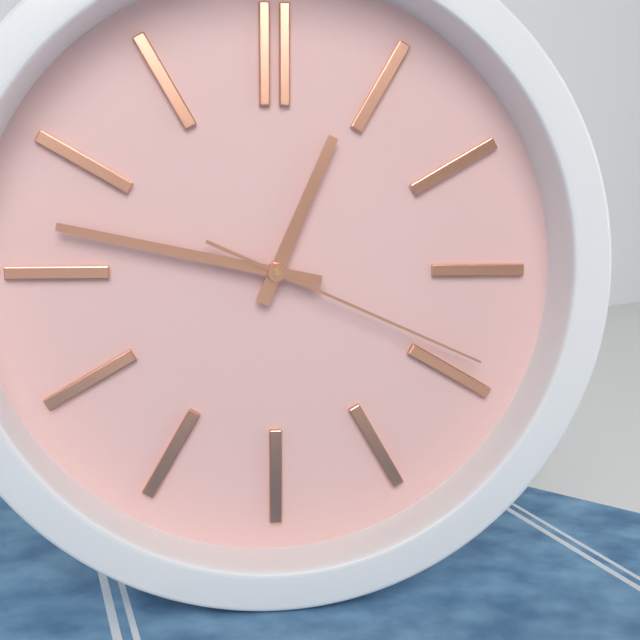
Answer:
12,47,19
